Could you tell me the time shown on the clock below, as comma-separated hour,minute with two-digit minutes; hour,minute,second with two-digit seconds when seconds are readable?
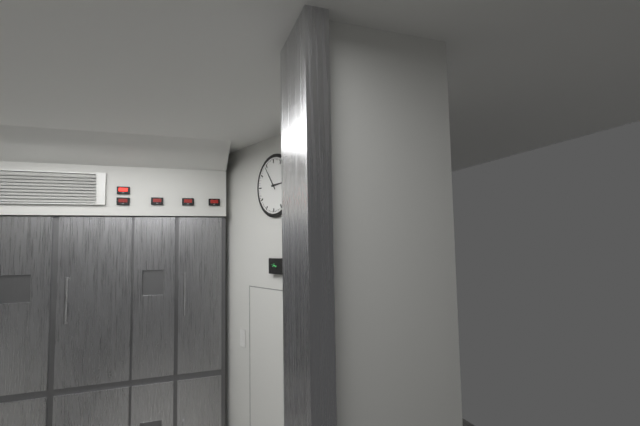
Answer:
2,54
